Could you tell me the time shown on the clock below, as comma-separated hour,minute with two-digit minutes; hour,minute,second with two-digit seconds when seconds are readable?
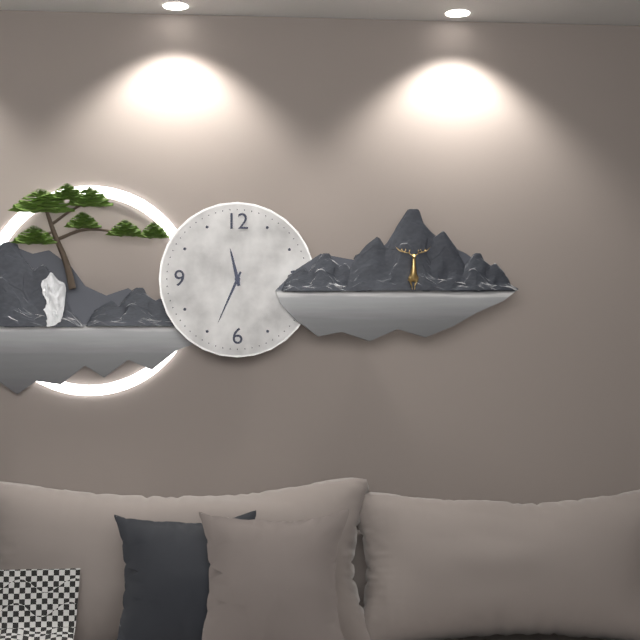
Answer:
11,34
